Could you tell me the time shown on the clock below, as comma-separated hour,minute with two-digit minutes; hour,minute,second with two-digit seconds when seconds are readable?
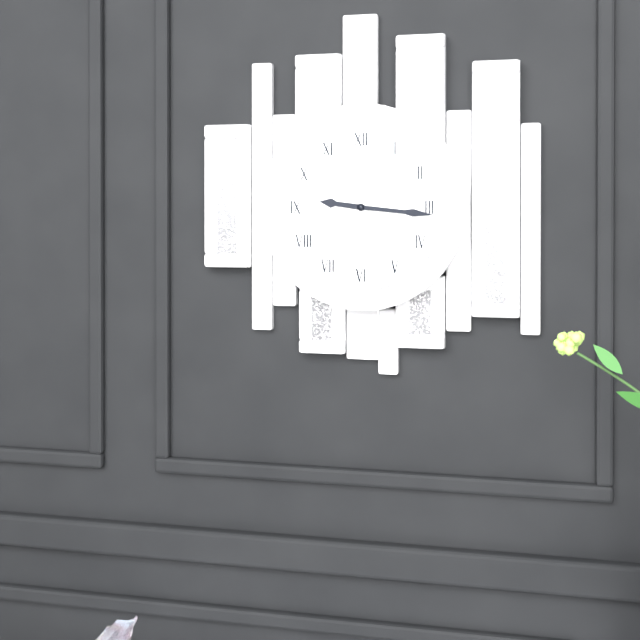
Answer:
9,16
